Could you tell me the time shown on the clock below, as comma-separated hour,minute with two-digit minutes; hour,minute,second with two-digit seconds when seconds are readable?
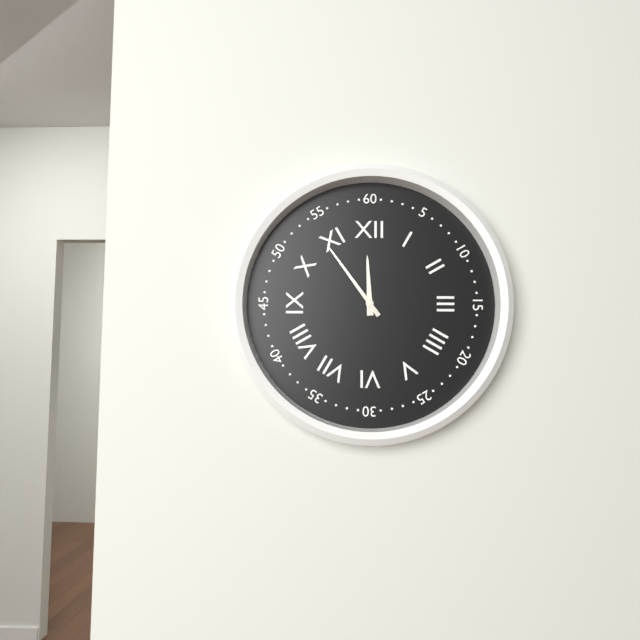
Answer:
11,54
